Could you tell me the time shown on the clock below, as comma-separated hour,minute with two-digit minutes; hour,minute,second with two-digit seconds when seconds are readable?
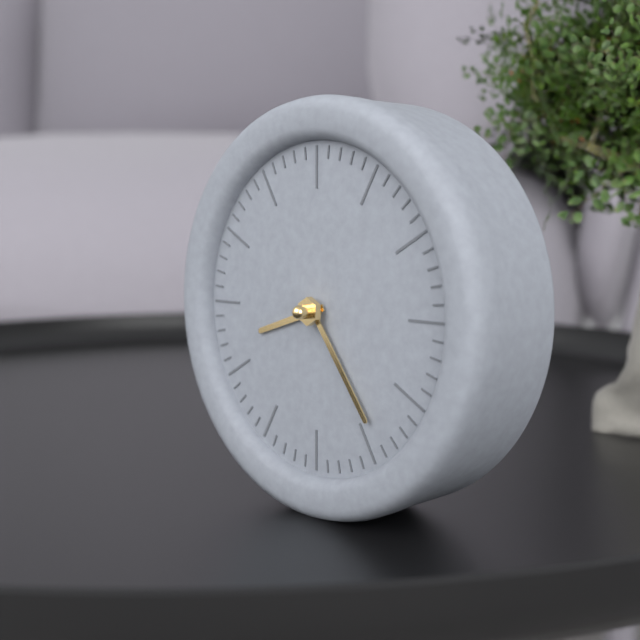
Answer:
8,24
